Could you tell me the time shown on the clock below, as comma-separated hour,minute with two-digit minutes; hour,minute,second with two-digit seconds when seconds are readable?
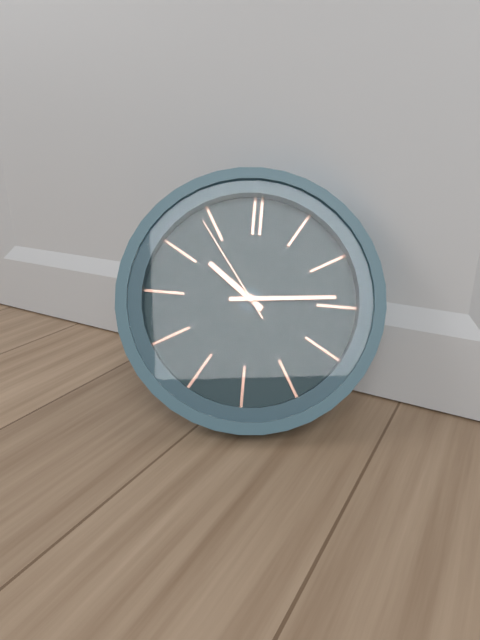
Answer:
10,14,54
